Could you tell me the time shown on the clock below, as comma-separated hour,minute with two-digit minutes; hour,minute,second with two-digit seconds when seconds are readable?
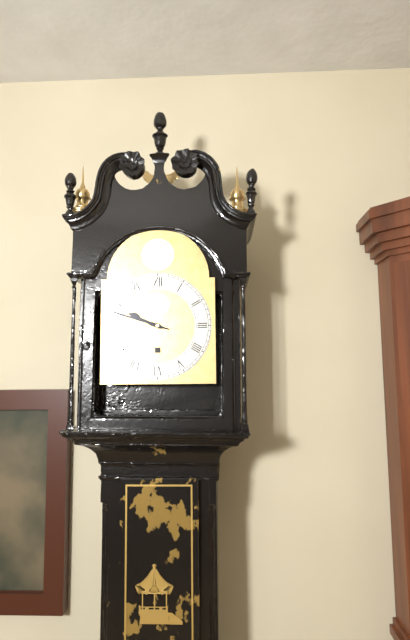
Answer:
9,48
